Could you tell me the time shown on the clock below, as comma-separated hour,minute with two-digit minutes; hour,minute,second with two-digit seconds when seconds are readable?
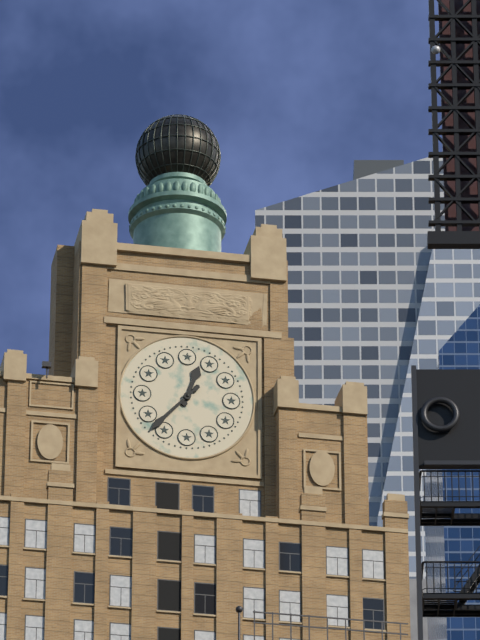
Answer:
12,37
